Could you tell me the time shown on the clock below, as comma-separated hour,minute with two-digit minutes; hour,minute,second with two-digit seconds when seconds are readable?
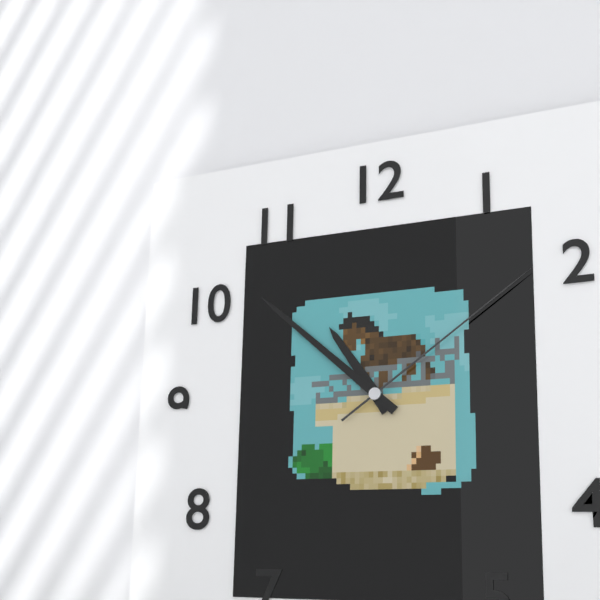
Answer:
10,52,09
